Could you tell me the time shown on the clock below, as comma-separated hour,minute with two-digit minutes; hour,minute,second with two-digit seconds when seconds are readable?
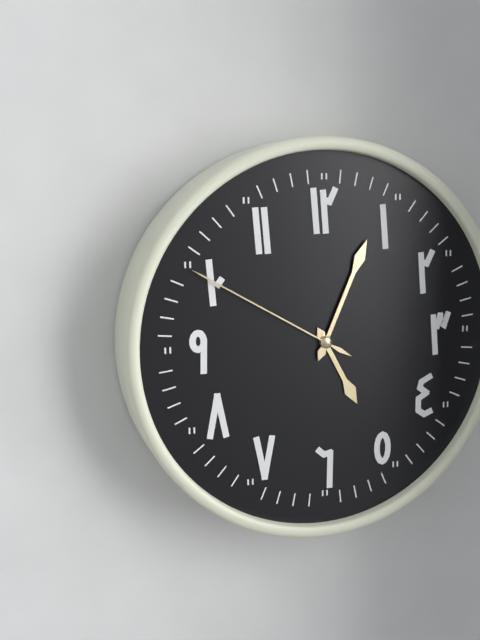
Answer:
5,04,50
